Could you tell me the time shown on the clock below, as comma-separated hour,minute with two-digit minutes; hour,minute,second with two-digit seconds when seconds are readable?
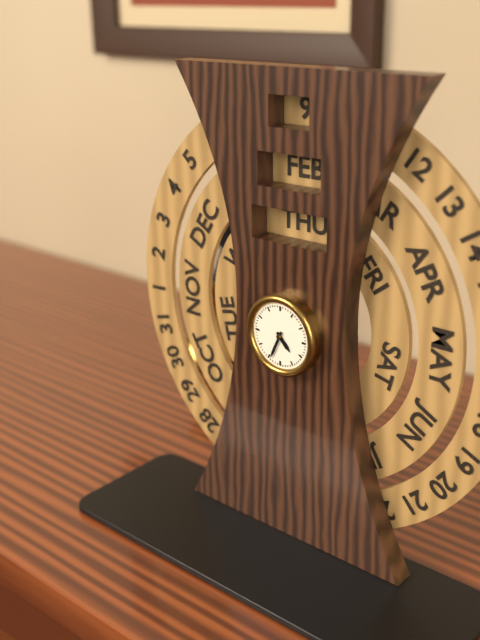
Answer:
4,34
